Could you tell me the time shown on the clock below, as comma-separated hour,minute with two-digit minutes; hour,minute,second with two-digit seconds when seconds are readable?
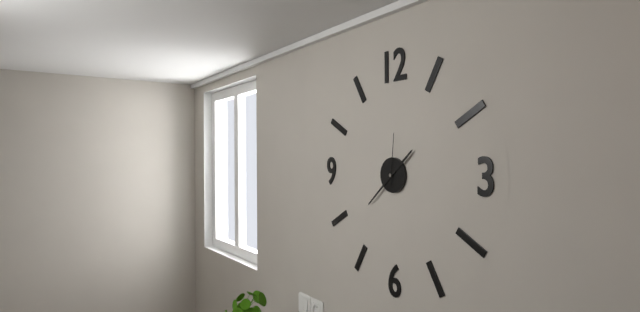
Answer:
1,38,01
